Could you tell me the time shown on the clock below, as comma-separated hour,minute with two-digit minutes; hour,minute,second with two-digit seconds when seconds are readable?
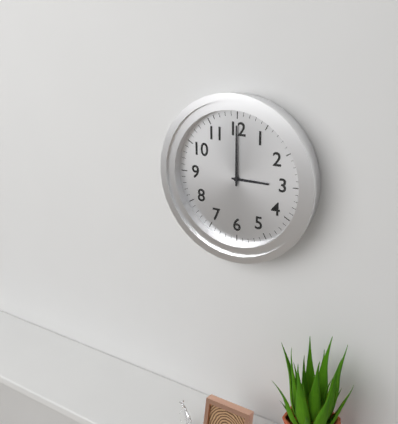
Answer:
3,00
